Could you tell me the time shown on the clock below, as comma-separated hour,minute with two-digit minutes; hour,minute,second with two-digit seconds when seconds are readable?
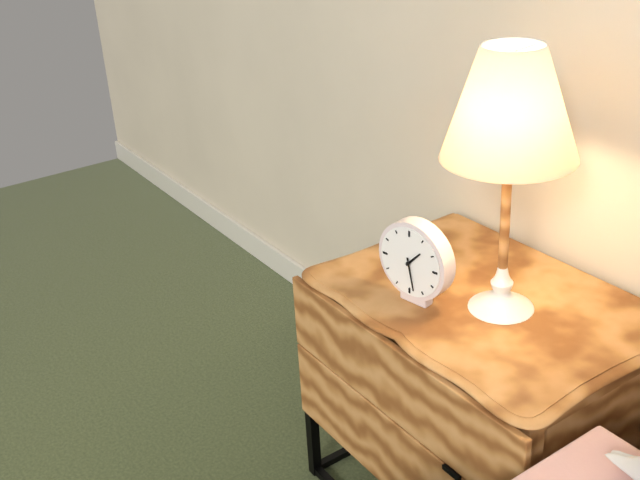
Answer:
1,28
